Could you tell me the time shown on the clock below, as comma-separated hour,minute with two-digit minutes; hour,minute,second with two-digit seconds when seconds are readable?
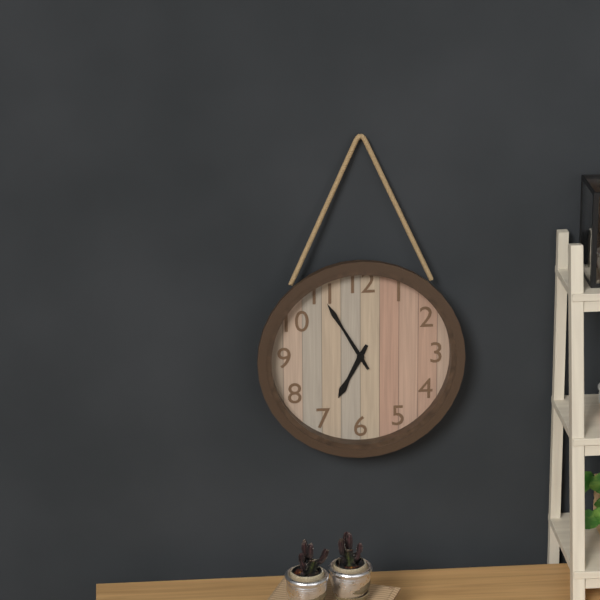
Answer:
6,55
